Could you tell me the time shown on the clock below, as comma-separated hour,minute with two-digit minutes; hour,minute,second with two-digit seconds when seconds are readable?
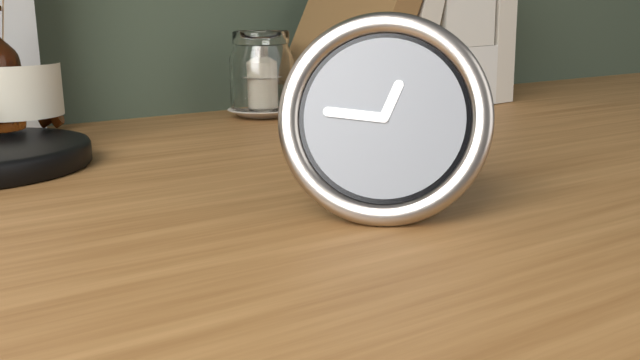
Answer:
12,46
